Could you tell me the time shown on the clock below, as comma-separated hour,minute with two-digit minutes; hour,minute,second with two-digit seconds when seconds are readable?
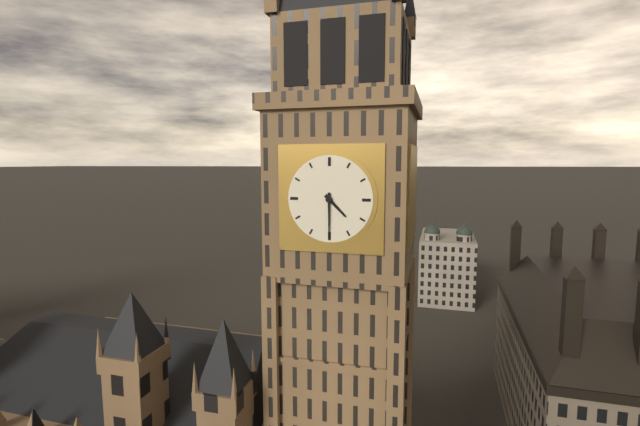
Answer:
4,30
